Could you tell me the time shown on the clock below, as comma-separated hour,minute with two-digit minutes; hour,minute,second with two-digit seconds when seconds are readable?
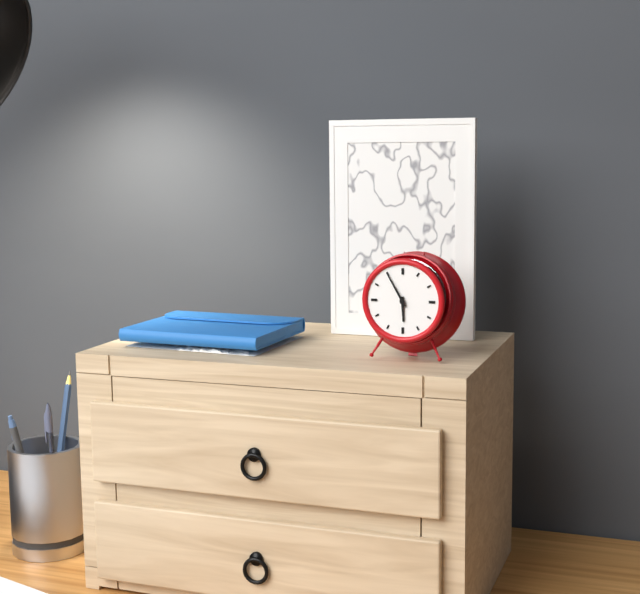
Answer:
5,55
